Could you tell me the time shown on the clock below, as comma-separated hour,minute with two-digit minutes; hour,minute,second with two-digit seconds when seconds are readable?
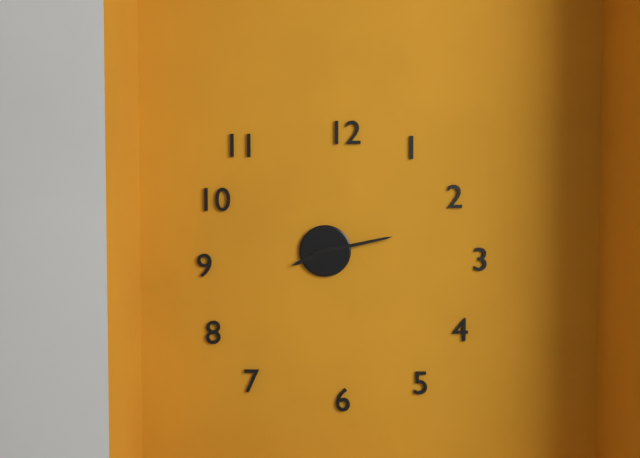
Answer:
8,13
